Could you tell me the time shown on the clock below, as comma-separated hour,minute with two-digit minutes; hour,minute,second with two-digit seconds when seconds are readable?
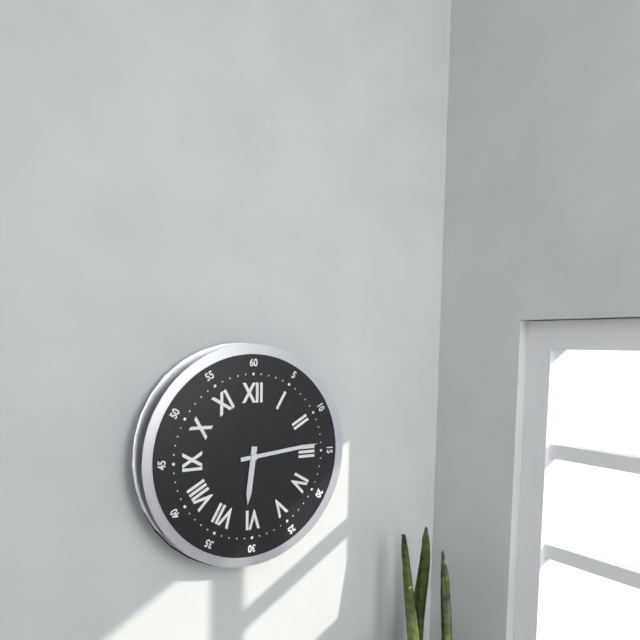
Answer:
6,14
